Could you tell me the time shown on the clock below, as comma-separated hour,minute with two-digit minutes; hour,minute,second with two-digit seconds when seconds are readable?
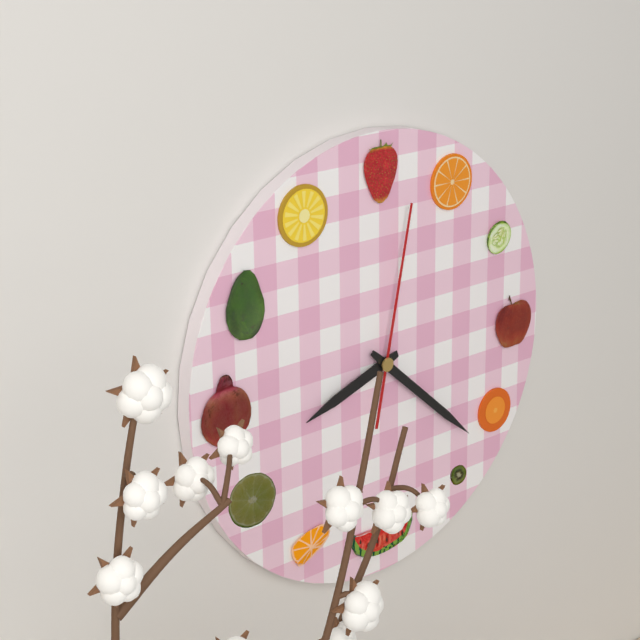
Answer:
8,22,02
